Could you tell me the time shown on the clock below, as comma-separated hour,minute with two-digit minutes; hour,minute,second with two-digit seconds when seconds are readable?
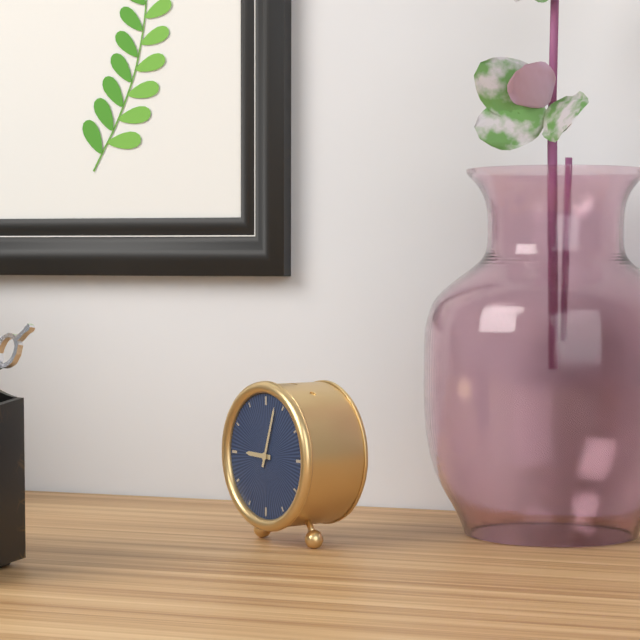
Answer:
9,03
